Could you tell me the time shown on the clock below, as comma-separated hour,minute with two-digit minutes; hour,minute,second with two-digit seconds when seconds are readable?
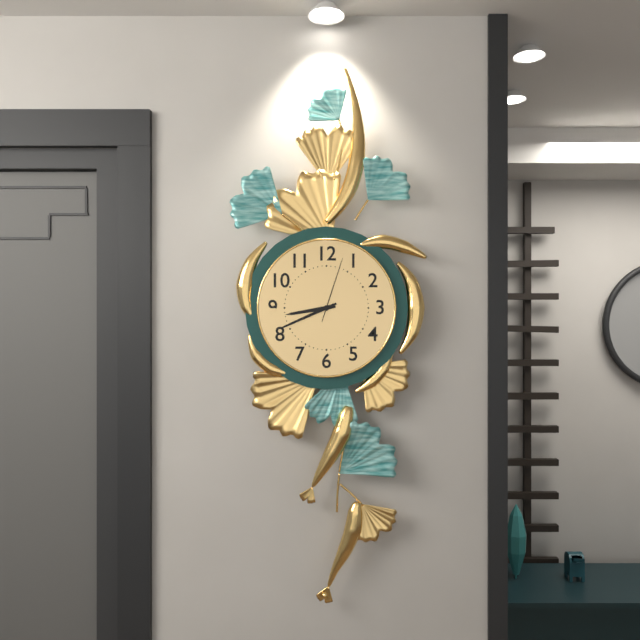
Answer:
8,41,03
